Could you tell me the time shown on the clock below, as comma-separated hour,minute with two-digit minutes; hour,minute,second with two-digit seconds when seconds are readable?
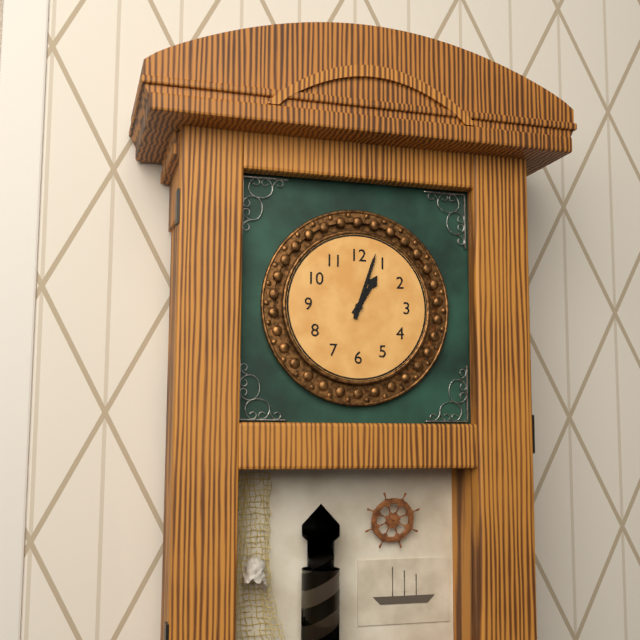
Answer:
1,03
